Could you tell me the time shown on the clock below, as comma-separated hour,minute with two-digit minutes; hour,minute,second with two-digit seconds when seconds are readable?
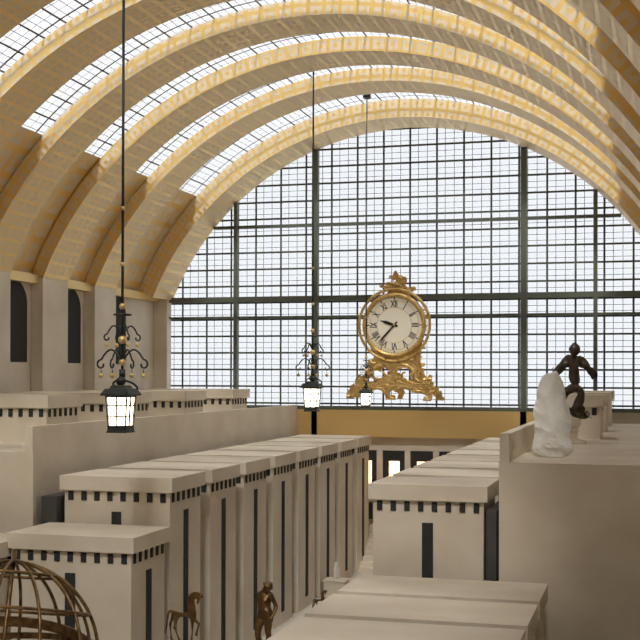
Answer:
9,37
